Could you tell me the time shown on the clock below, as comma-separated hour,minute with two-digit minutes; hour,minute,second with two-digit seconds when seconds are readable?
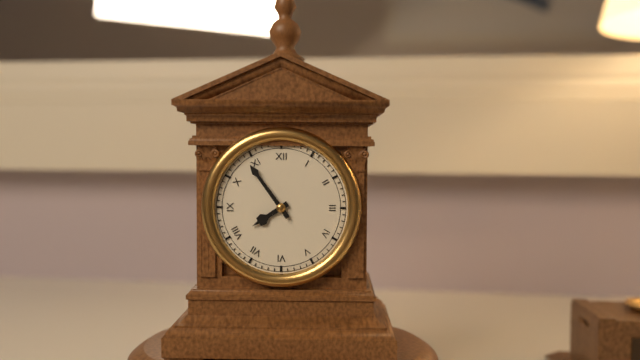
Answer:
7,54
